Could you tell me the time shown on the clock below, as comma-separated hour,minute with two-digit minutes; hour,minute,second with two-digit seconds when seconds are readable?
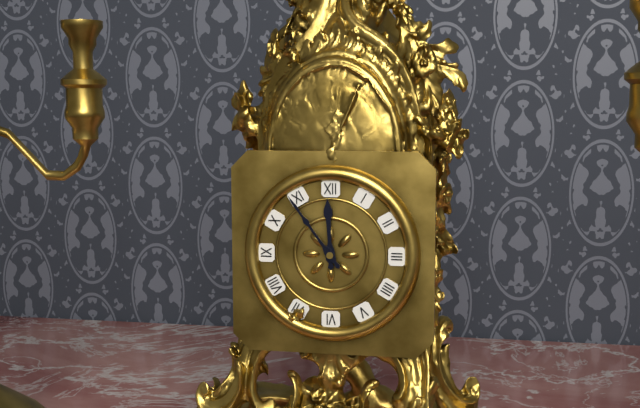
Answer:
11,54
